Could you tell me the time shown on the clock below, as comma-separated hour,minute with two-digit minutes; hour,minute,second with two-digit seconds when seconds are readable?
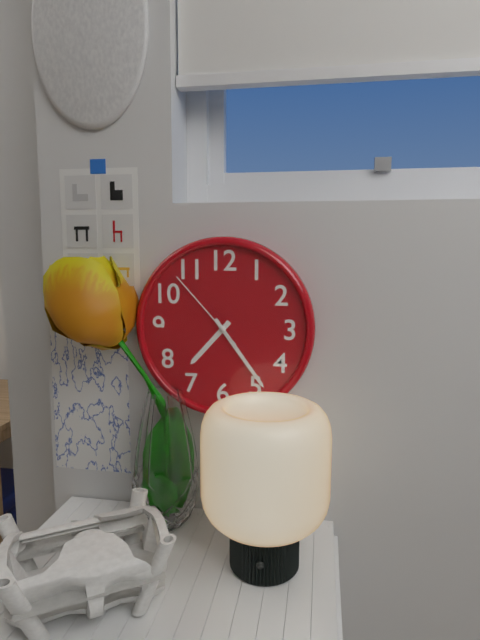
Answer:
7,24,53
